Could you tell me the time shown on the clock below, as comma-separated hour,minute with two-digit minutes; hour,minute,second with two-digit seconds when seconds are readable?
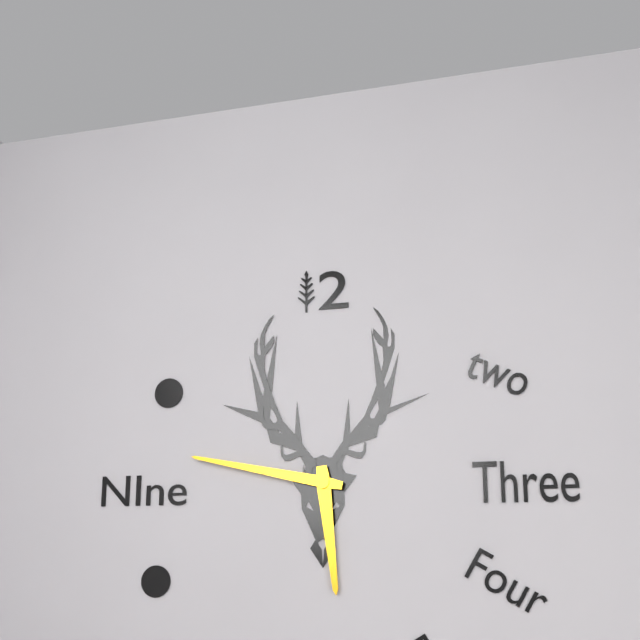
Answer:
5,47
